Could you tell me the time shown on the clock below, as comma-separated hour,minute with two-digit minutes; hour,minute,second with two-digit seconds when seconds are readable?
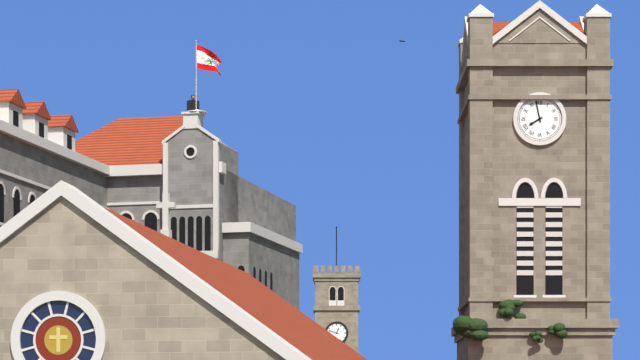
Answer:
7,58
